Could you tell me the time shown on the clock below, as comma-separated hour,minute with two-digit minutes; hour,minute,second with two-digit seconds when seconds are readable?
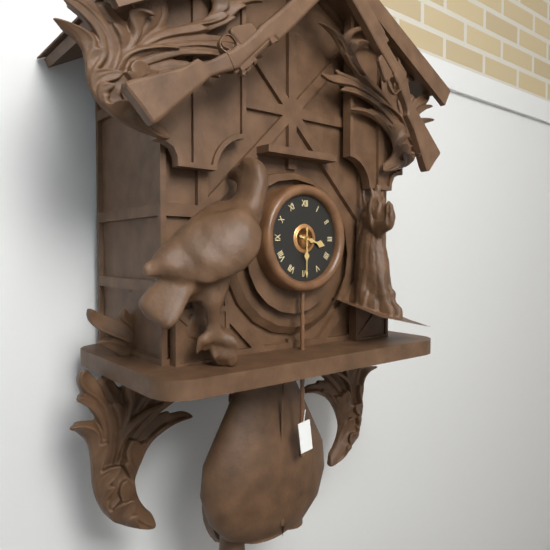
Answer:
3,30
